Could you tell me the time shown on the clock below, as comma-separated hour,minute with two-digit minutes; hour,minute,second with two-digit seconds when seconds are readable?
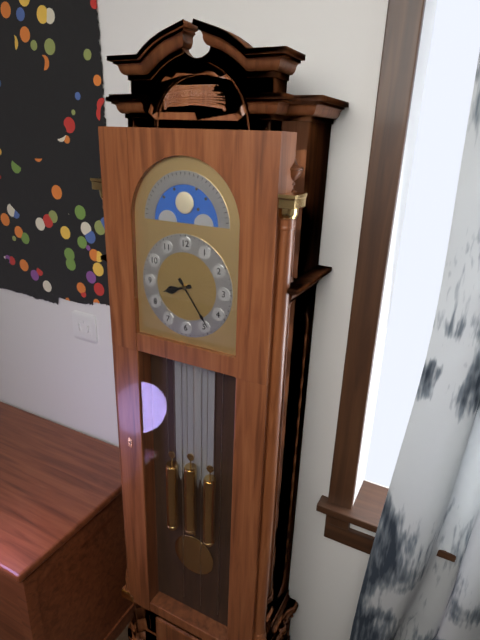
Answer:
8,24
